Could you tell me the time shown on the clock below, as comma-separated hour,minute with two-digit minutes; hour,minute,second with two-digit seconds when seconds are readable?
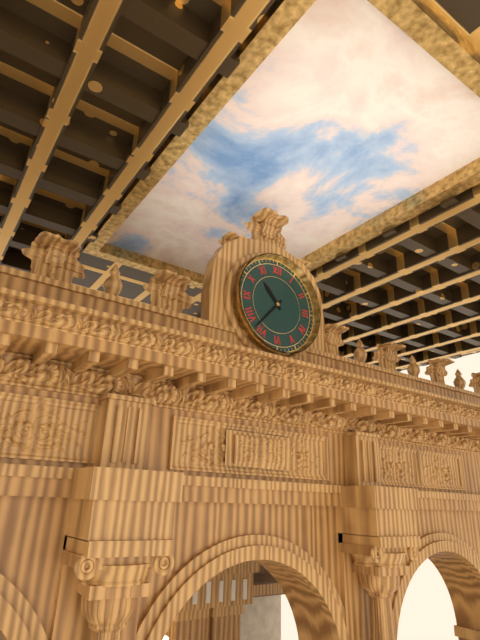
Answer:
10,37
